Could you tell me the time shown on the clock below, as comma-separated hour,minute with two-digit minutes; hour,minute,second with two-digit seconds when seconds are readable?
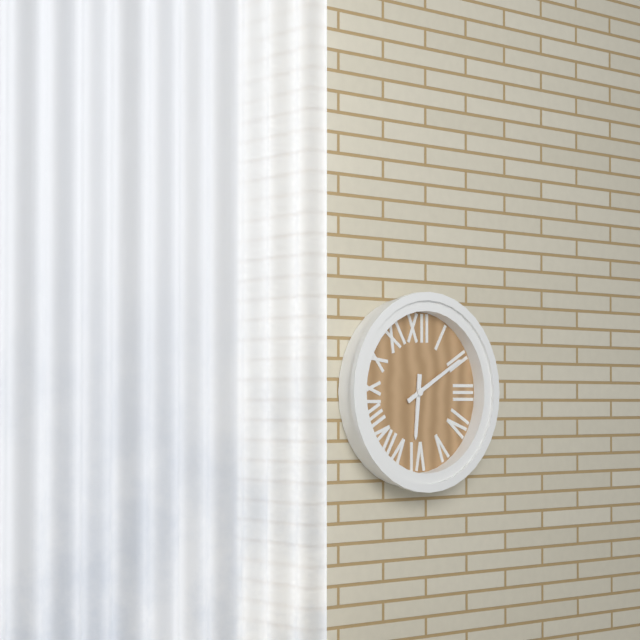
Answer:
6,10
